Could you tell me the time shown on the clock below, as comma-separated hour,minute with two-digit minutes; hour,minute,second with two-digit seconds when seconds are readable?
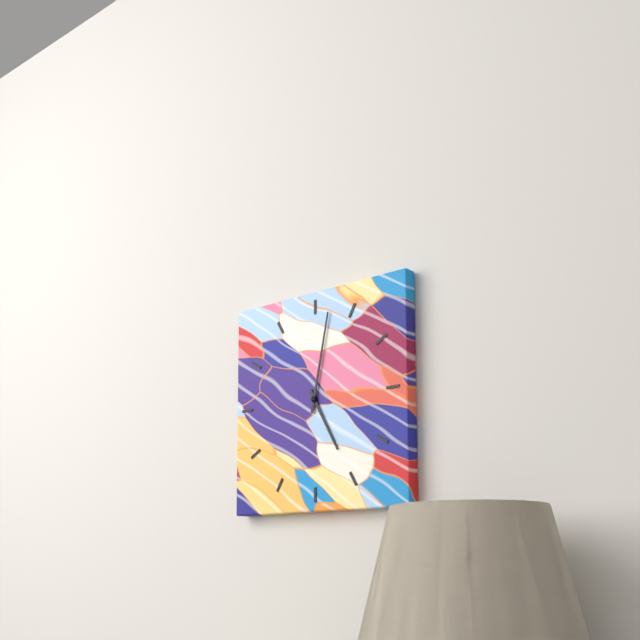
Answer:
5,02
